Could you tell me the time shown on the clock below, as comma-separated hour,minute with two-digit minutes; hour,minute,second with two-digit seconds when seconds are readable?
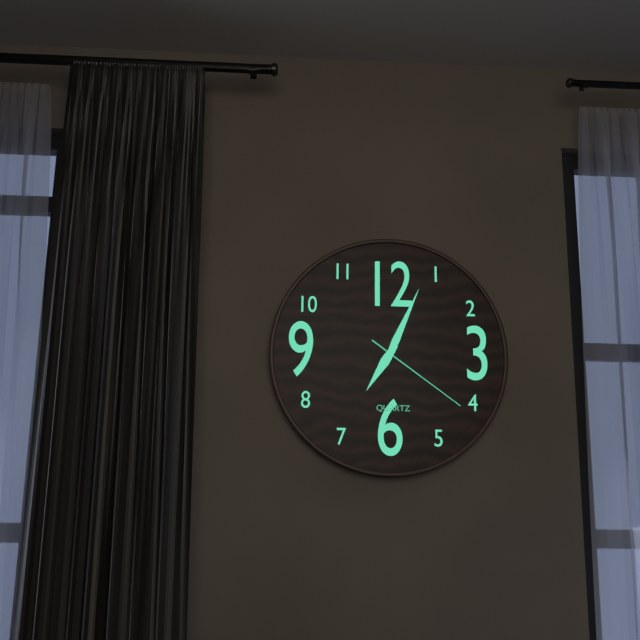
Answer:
7,04,21
